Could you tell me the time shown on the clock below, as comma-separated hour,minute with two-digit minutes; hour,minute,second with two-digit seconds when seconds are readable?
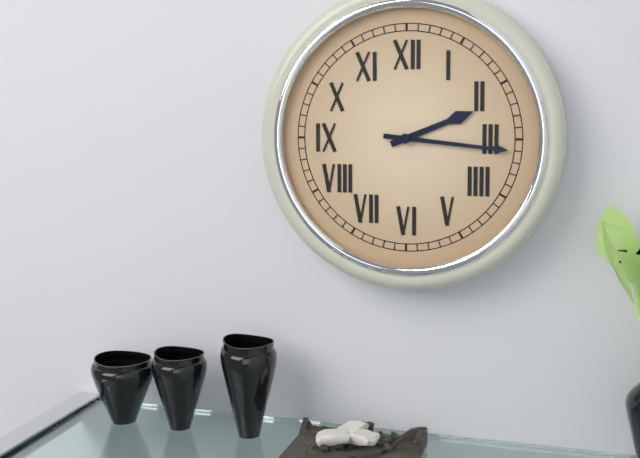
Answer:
2,16
